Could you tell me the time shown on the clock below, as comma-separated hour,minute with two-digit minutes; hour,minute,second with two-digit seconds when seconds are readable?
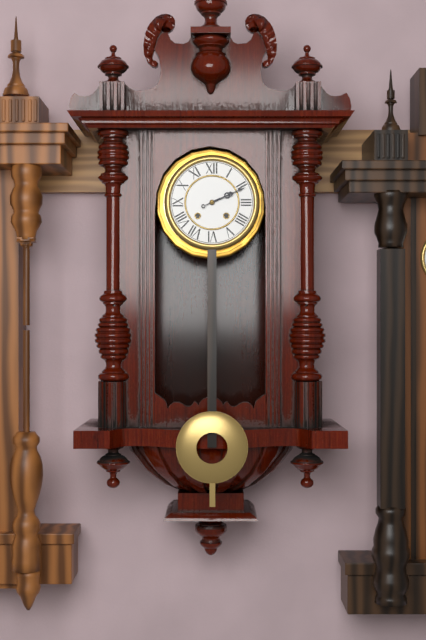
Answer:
2,11
